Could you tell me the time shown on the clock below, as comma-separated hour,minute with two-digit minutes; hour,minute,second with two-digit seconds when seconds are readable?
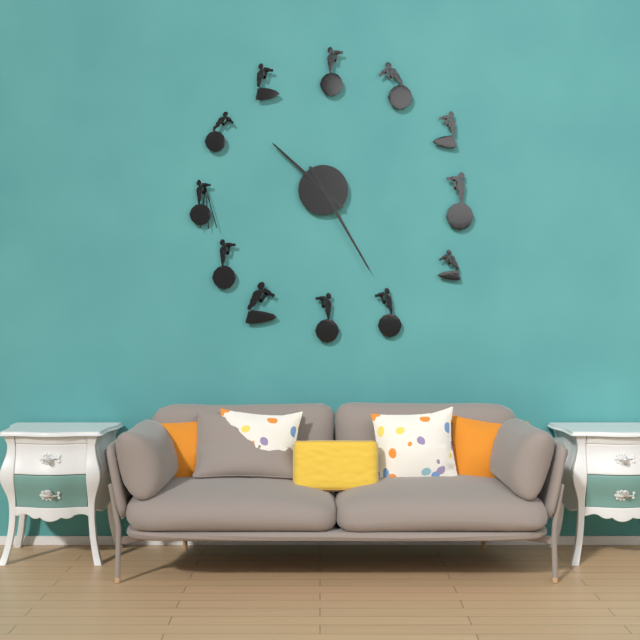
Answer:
10,25
